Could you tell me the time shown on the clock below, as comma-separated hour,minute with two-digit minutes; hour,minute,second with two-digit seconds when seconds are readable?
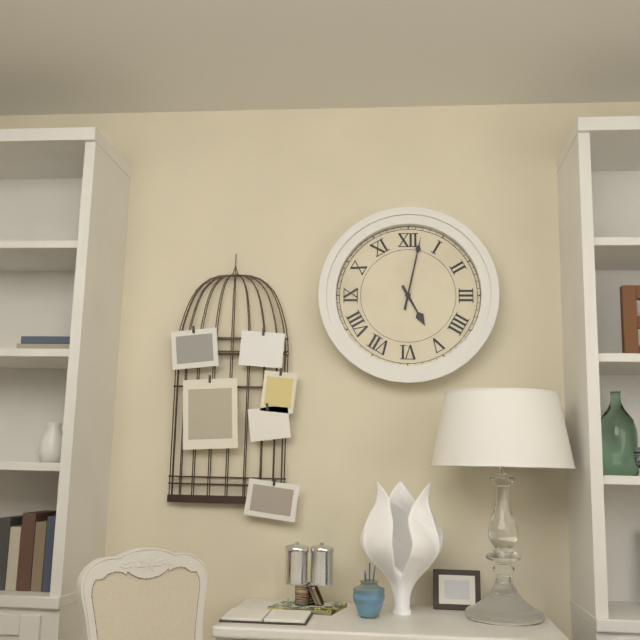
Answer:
5,02
